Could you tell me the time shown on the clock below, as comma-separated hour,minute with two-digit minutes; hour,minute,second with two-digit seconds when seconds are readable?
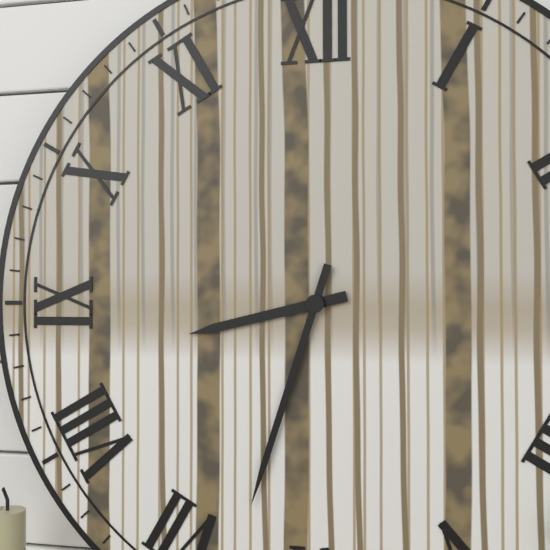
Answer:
8,33
